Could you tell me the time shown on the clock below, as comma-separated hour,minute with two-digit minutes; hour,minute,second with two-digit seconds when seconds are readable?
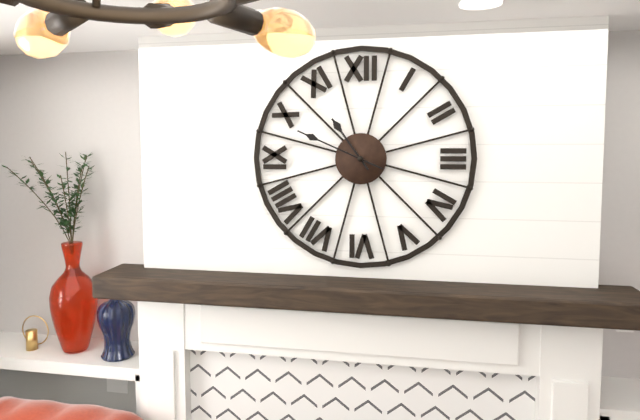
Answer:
10,49
